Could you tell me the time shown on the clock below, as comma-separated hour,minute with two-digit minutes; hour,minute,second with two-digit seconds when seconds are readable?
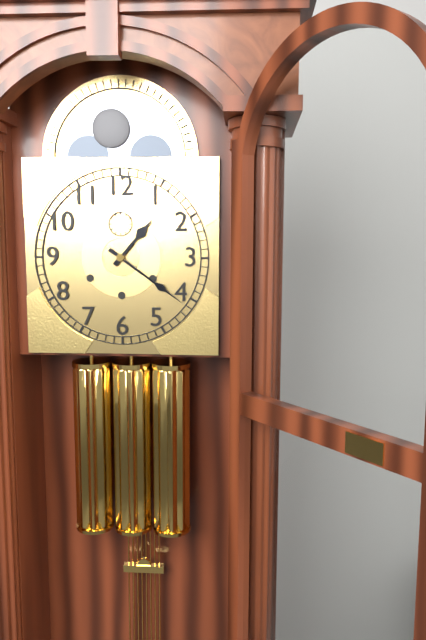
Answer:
1,21
